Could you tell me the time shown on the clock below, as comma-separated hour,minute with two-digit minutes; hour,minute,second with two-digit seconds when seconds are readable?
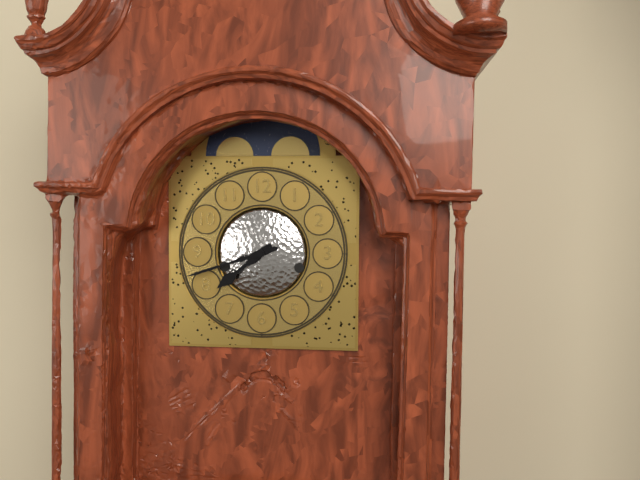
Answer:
7,42
